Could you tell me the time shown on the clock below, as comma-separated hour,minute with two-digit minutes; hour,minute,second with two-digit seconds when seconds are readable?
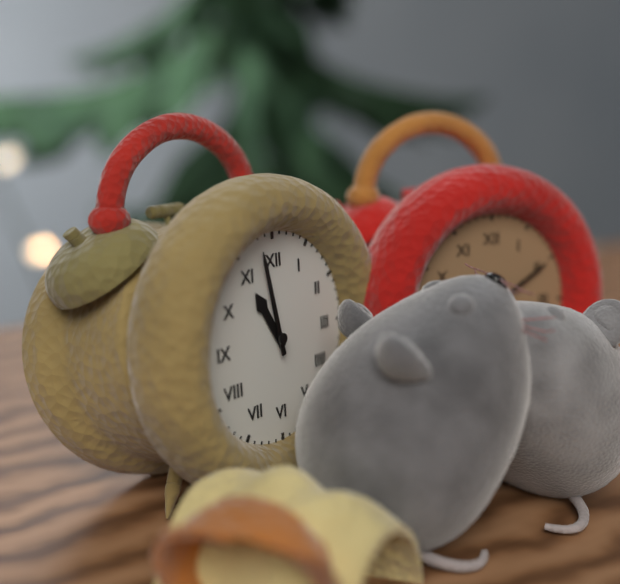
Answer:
10,58
